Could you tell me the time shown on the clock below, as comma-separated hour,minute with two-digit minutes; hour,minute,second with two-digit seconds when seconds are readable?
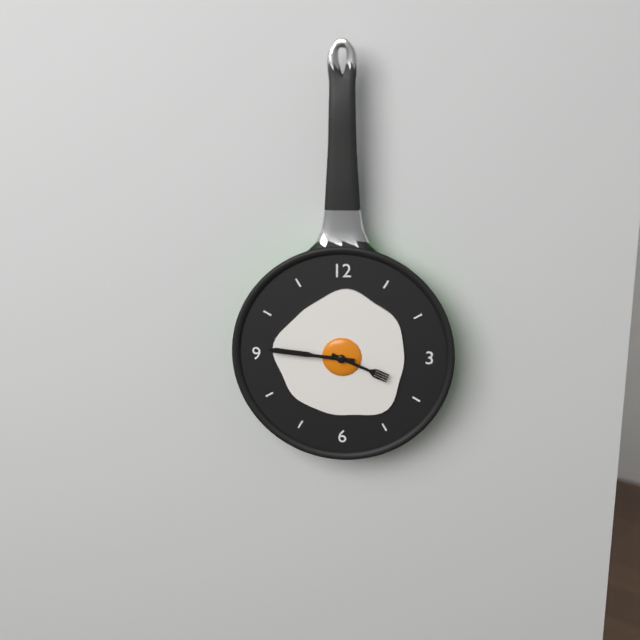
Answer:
3,46
